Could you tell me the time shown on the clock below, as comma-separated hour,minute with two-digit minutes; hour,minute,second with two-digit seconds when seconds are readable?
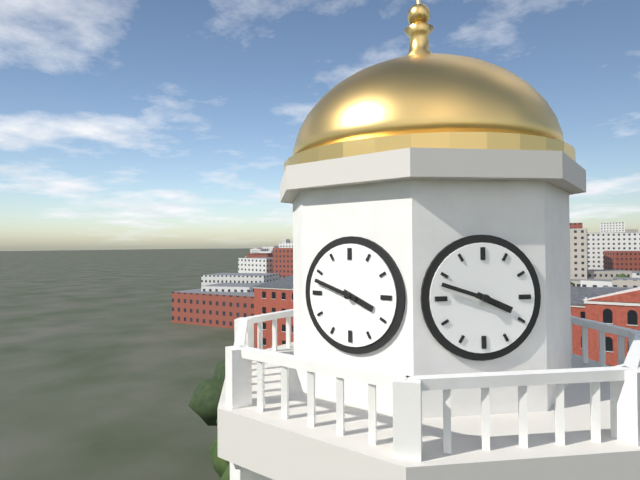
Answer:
3,48
